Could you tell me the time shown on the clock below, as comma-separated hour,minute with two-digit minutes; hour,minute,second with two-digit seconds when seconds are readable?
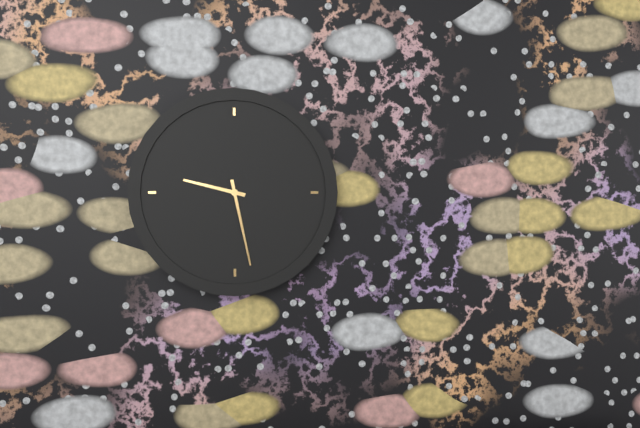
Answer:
9,28
